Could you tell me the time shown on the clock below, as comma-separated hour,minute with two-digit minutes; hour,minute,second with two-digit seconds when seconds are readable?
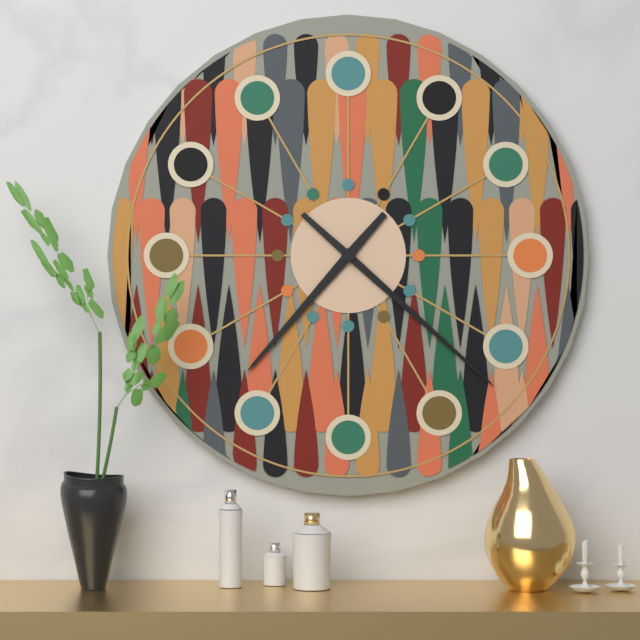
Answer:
7,22
